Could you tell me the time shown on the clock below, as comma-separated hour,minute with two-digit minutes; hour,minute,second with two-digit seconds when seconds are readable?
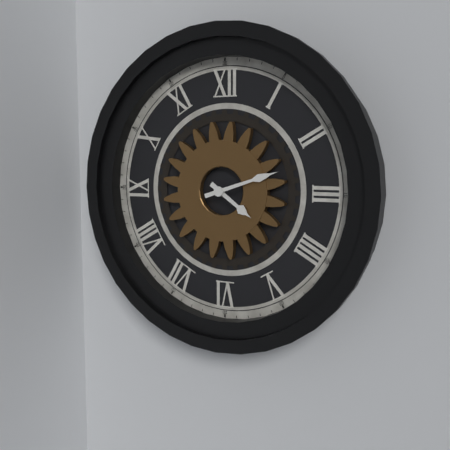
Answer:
4,12
